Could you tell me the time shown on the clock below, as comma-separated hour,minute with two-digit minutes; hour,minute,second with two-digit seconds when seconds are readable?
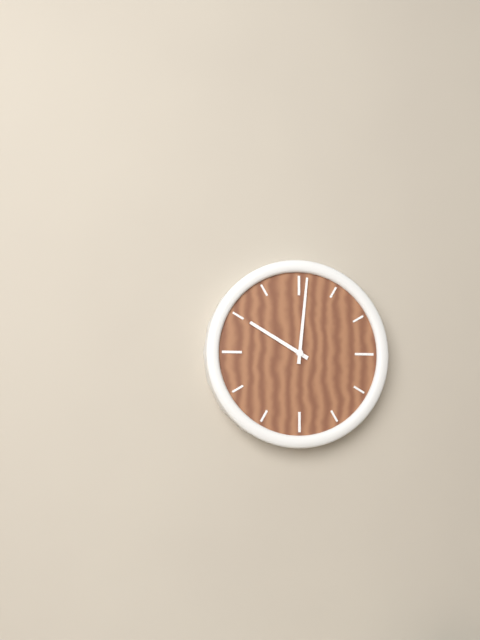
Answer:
10,01
